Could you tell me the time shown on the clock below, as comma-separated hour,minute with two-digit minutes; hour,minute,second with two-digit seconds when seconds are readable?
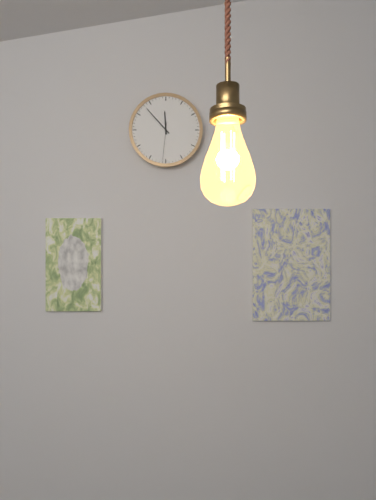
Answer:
11,53
